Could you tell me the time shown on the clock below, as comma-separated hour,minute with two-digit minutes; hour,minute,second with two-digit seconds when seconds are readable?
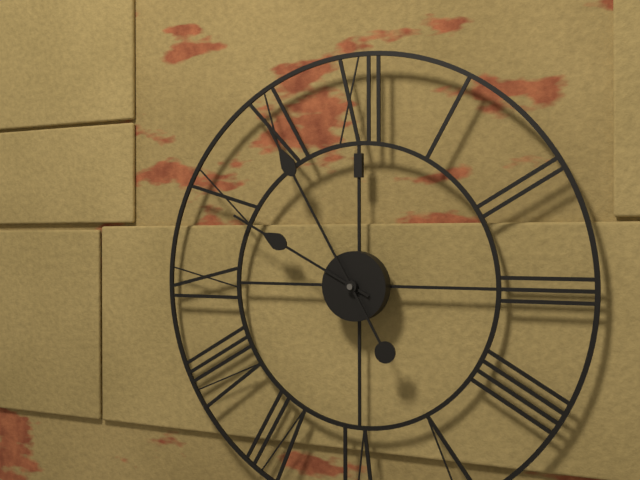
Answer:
9,55
